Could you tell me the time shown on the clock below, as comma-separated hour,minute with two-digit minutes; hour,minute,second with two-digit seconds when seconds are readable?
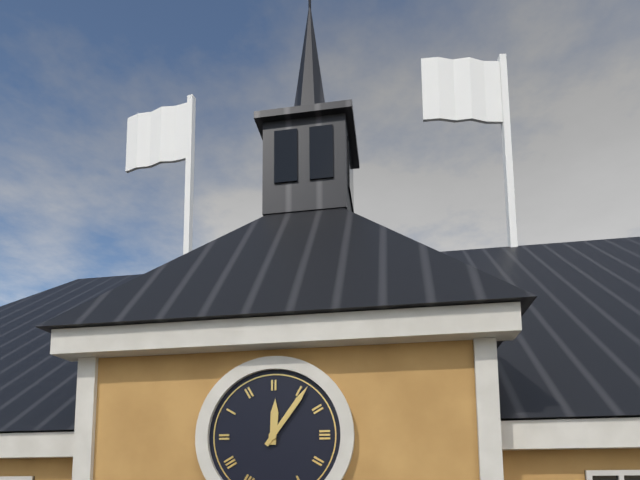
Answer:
12,06
